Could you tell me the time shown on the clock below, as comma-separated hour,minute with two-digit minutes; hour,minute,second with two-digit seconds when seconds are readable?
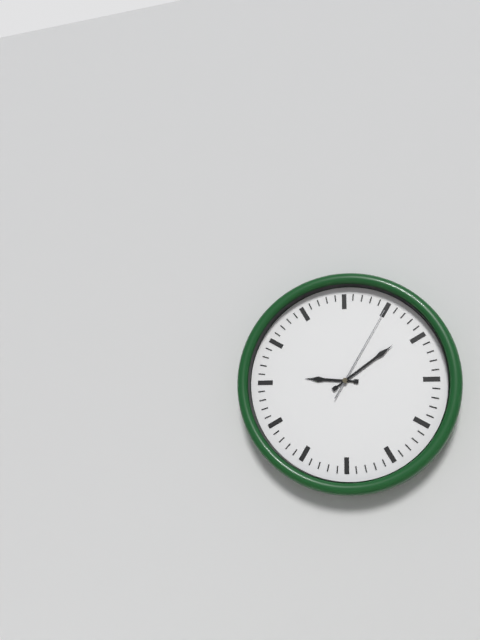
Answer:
9,09,05
